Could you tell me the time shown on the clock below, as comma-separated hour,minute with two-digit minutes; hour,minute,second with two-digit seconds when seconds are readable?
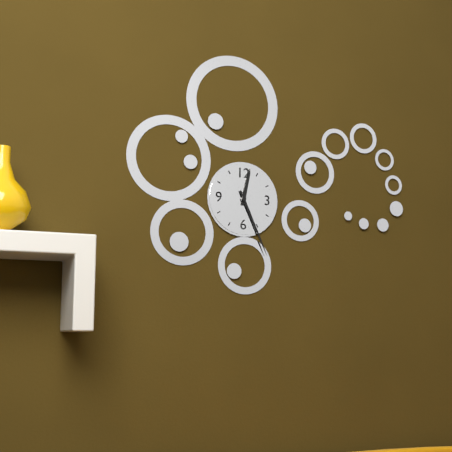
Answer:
12,26
